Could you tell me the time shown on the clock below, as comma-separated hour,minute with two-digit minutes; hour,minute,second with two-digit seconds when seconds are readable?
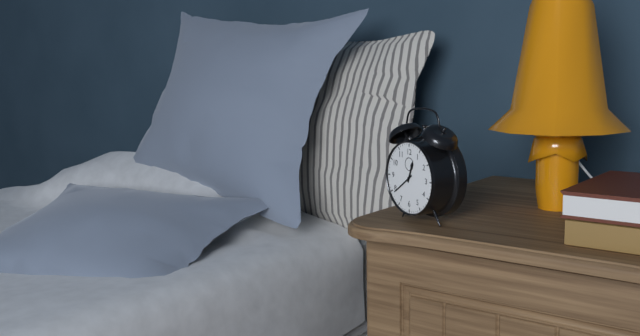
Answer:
12,39
